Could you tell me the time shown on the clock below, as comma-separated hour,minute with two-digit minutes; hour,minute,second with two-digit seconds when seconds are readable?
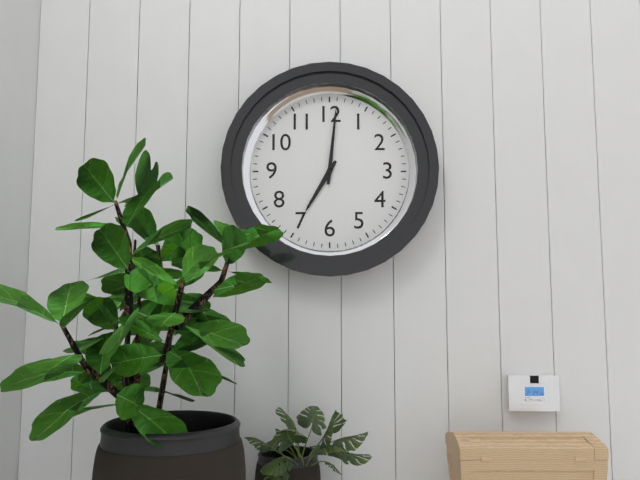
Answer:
7,01
